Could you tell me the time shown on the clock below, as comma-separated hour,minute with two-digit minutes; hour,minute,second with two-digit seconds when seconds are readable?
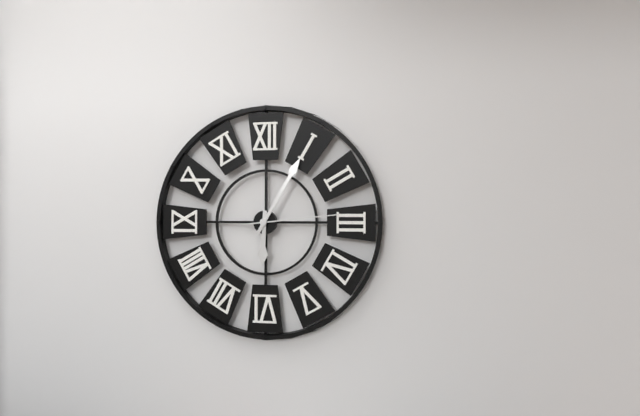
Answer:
6,05,14
